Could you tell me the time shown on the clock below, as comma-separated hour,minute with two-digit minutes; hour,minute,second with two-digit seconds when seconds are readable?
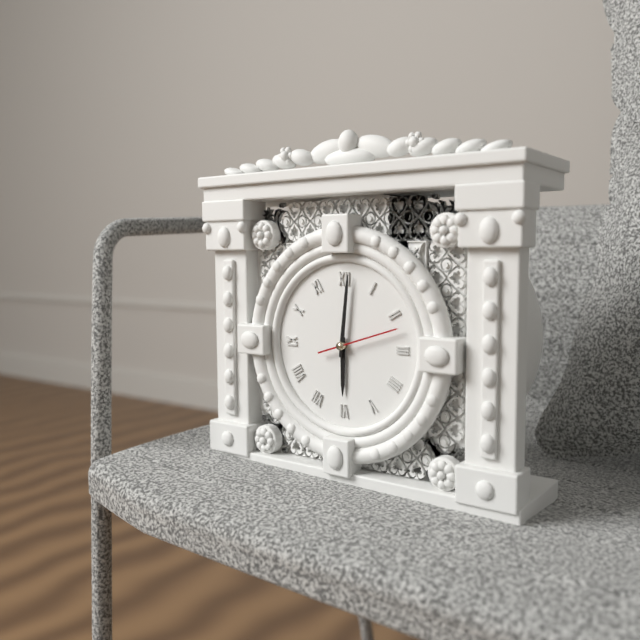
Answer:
6,01,12
